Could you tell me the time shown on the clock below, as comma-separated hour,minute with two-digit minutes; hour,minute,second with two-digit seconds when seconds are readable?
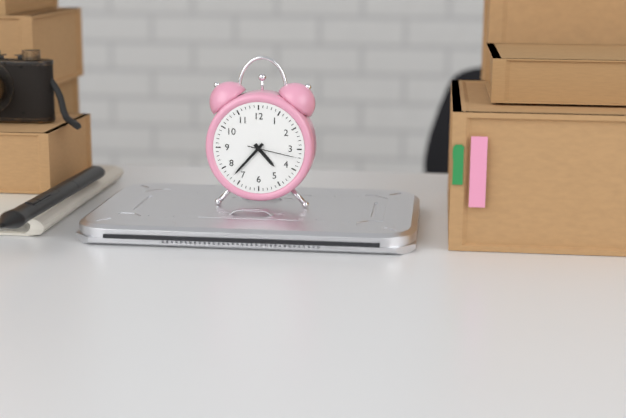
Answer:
4,37
